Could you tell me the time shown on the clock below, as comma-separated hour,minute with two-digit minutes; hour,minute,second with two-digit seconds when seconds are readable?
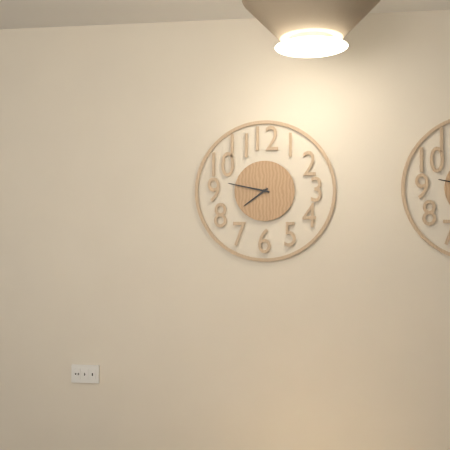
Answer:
7,47
